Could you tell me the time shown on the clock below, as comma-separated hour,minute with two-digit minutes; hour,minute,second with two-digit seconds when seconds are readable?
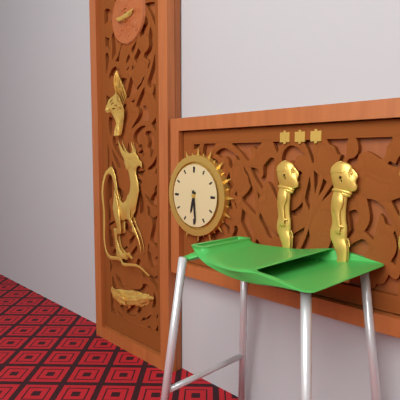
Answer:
6,29
